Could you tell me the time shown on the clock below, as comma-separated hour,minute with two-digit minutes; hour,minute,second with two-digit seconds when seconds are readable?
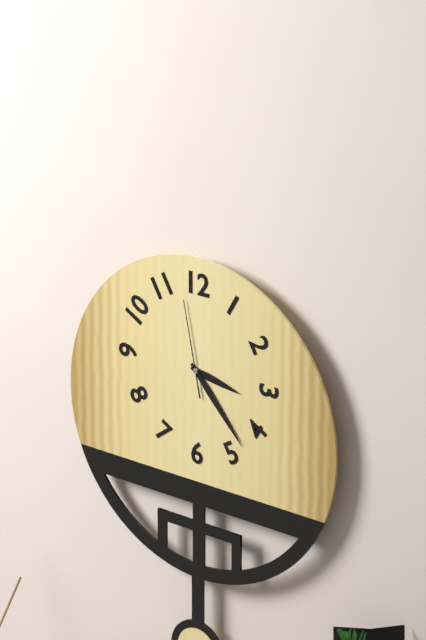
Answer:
3,23,58
